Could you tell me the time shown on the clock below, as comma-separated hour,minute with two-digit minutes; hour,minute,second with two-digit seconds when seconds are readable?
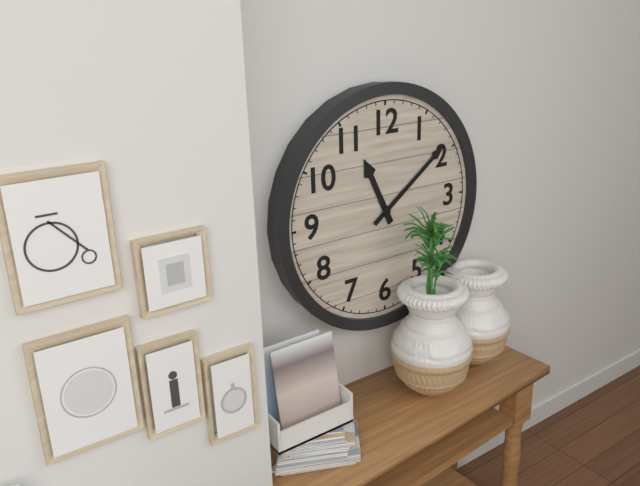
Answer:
11,09
